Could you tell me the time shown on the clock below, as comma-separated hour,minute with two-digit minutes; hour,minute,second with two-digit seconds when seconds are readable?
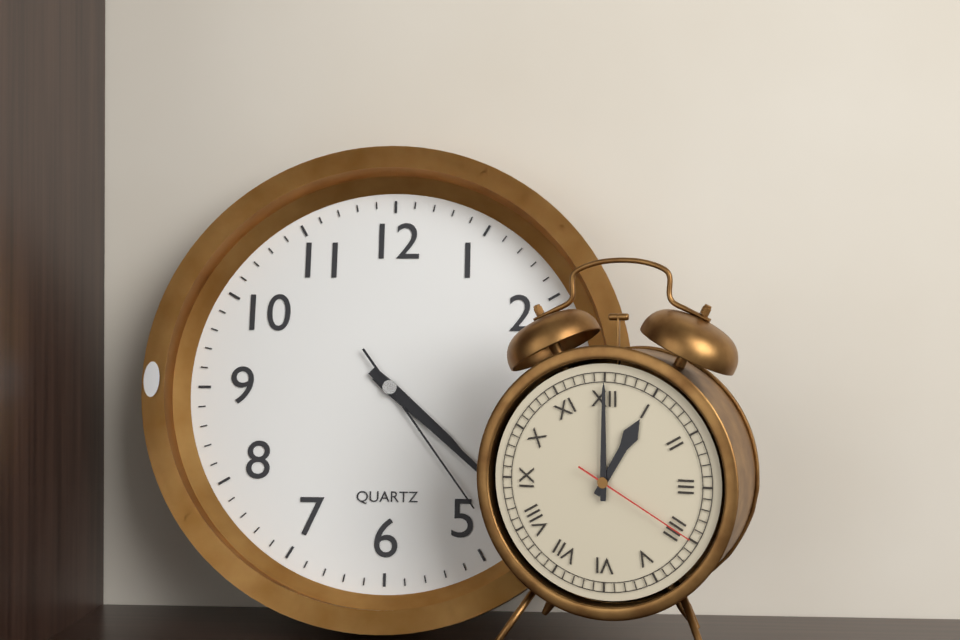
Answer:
4,22,24
